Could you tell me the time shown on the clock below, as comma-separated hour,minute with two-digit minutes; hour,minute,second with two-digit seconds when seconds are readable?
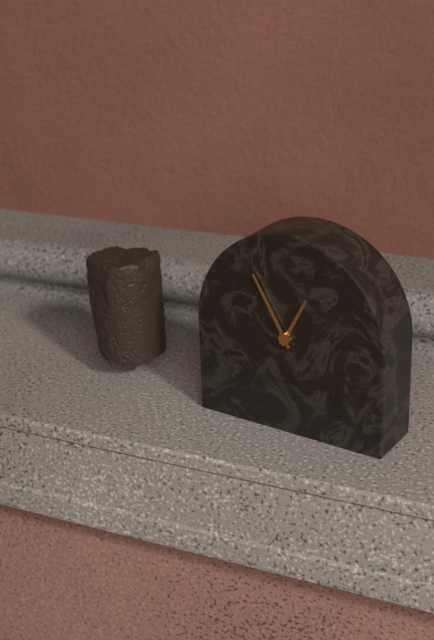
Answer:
12,55
